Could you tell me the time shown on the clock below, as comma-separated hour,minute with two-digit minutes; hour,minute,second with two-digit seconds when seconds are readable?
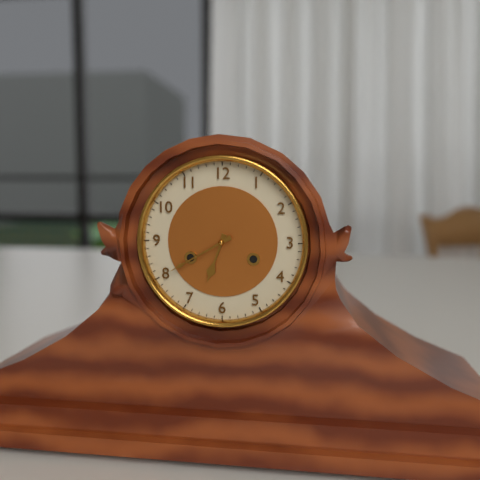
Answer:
6,40
